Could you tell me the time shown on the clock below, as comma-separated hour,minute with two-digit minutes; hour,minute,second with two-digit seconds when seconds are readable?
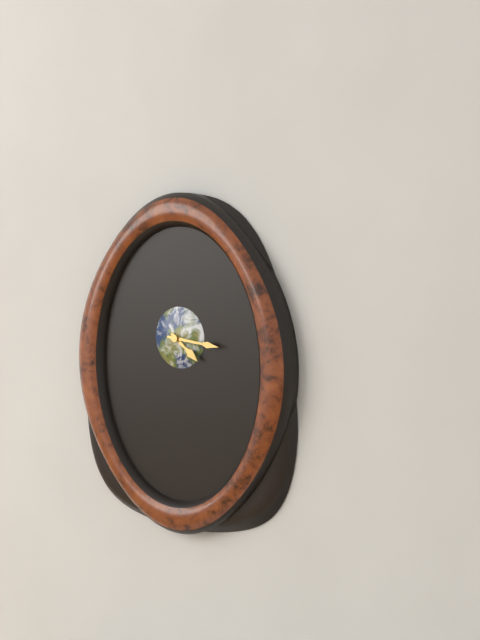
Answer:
4,16
